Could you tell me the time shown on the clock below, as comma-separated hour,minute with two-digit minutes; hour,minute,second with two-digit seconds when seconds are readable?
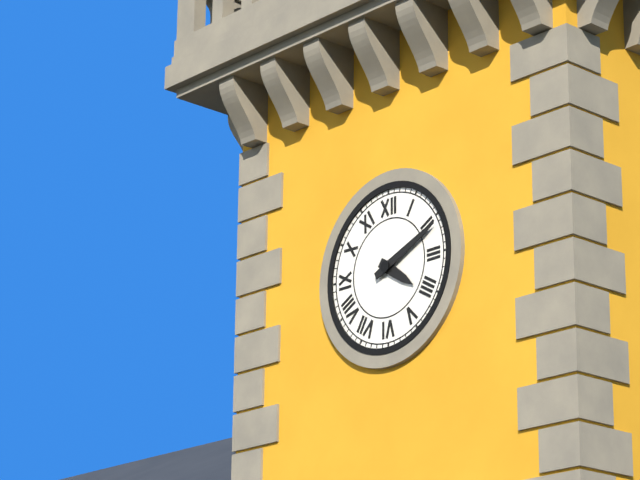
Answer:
4,11
